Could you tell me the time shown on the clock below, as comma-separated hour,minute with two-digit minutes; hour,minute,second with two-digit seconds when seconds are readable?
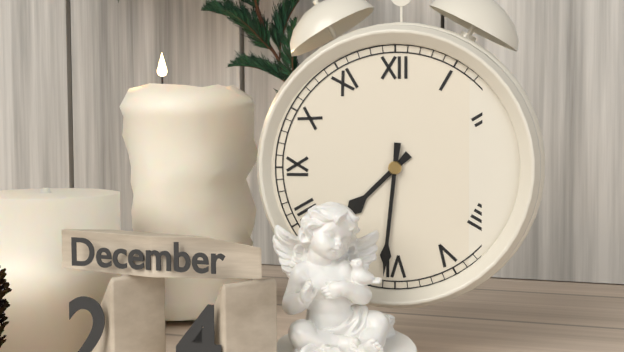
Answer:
7,31
